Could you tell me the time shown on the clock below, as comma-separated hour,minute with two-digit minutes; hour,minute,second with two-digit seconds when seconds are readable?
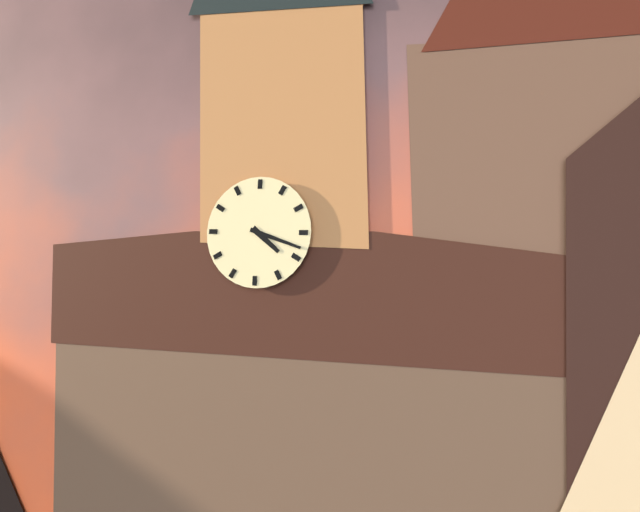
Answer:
4,18
